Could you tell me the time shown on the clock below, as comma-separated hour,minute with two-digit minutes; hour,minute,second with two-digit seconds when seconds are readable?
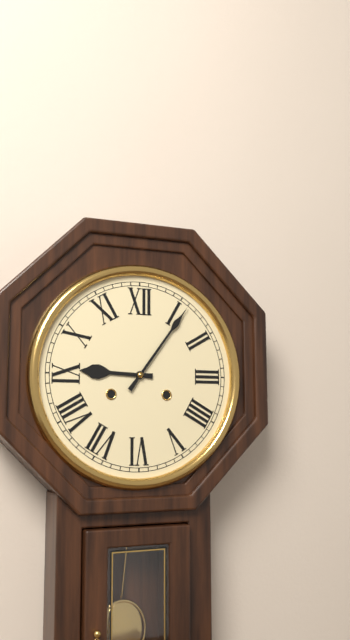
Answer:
9,06
